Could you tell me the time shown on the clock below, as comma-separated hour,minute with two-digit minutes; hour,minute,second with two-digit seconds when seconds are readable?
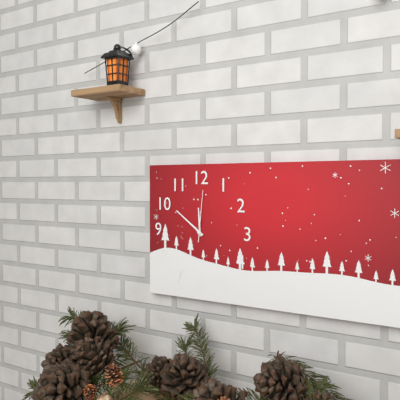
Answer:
11,51,01
